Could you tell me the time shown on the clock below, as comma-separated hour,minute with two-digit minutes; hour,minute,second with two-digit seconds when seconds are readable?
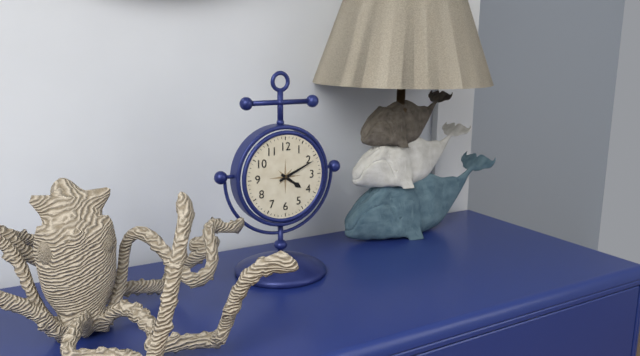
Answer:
4,11
